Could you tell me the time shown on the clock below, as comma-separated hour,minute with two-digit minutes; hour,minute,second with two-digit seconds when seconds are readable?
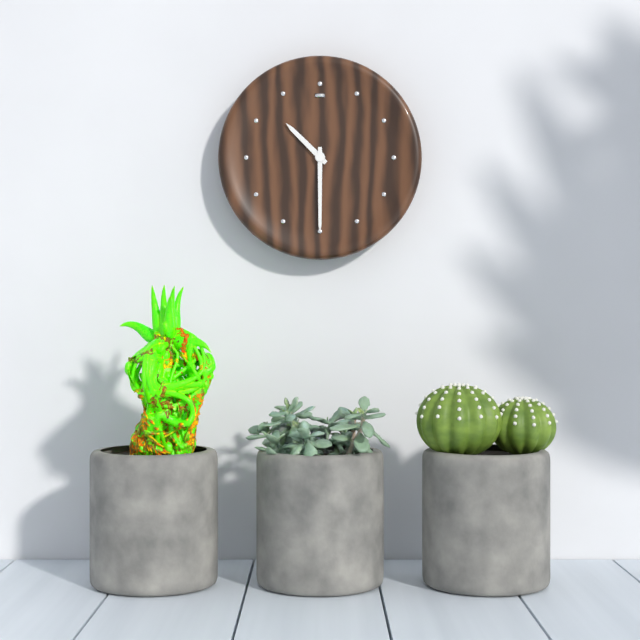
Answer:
10,30
